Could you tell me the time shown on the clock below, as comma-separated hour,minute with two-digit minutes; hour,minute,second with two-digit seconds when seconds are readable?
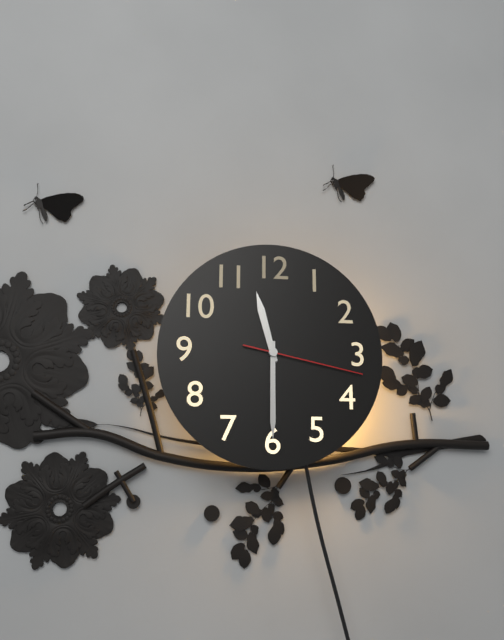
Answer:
11,30,17
